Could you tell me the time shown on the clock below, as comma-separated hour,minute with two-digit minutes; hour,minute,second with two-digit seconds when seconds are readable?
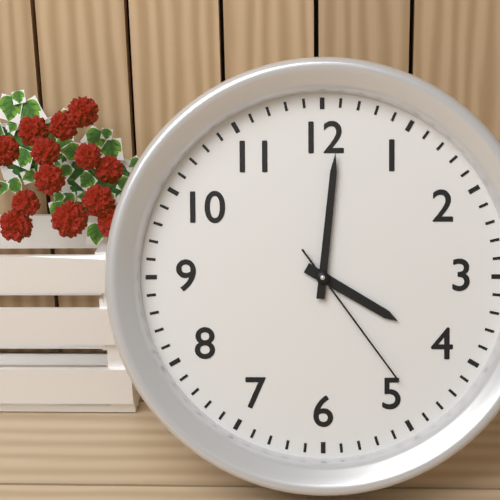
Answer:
4,01,24
